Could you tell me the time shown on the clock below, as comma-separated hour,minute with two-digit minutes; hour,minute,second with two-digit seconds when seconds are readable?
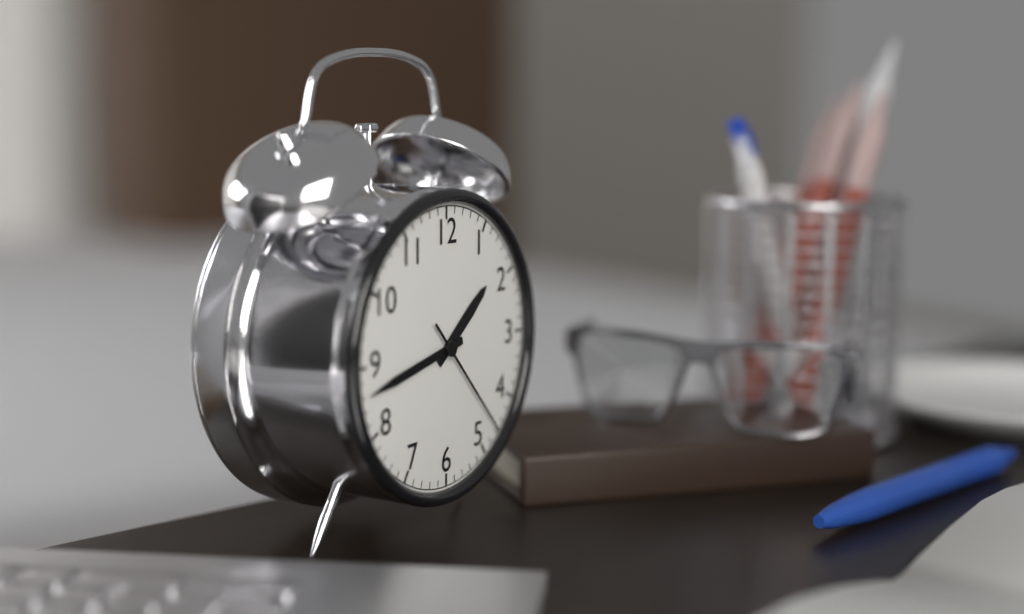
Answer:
1,43,23
